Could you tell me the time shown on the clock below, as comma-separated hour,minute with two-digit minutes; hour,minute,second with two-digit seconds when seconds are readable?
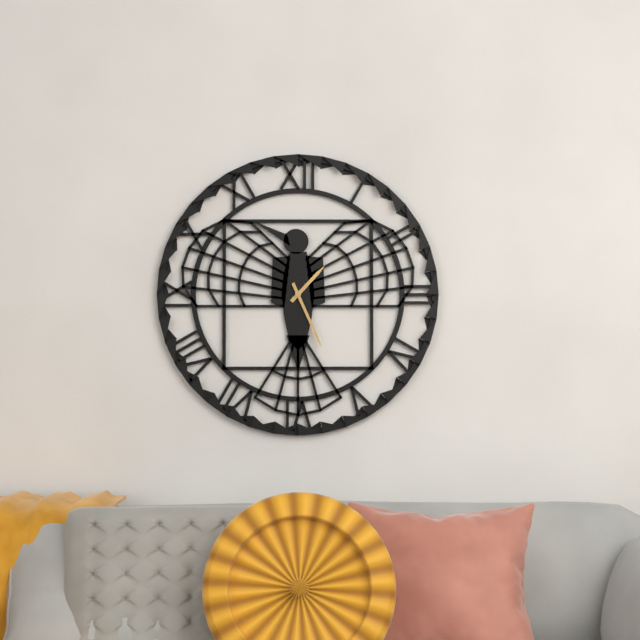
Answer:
1,26
